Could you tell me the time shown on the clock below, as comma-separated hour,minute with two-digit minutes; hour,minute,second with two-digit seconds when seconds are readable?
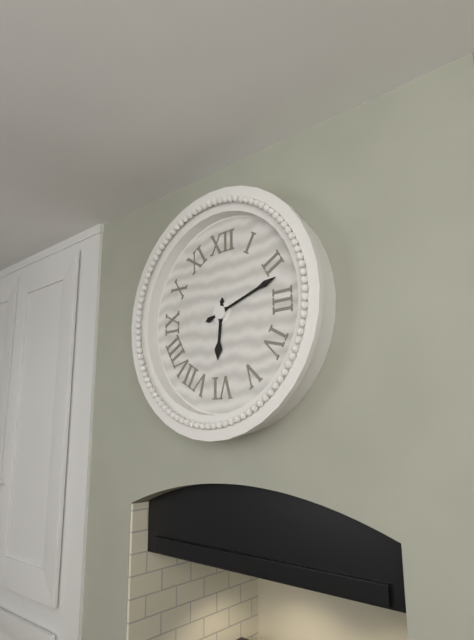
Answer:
6,12
